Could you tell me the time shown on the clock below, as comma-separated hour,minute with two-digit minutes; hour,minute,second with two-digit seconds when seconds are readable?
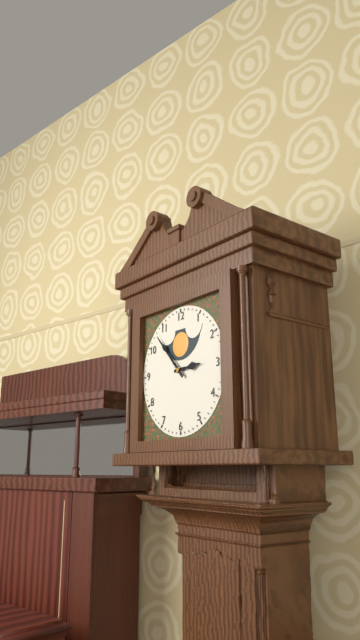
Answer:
2,53
